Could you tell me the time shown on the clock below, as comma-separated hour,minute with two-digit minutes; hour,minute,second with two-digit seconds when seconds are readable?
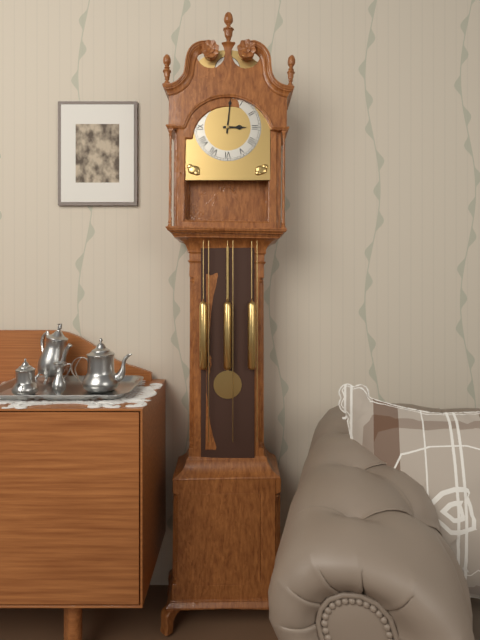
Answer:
3,01
